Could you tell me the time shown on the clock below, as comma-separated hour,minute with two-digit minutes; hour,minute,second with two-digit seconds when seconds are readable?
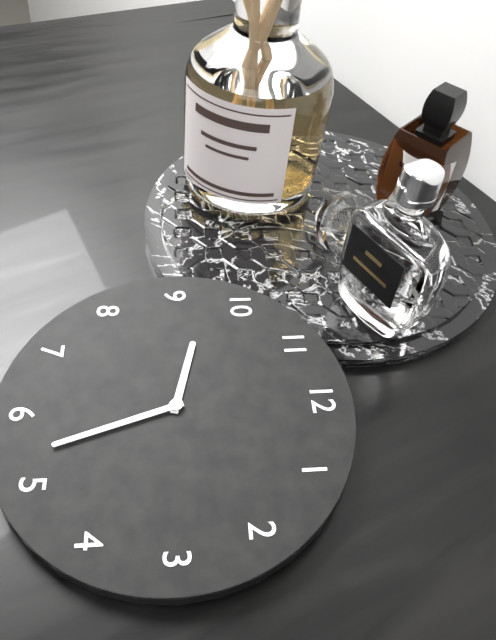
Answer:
9,27
